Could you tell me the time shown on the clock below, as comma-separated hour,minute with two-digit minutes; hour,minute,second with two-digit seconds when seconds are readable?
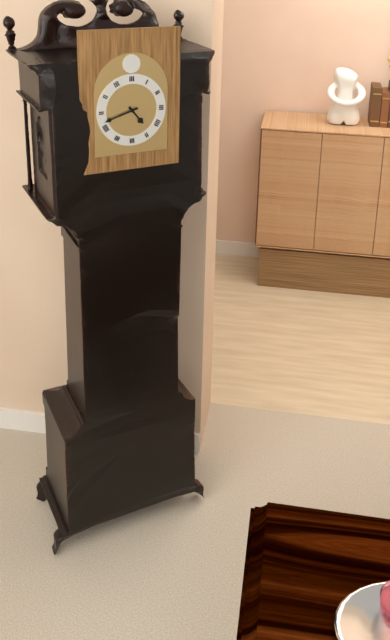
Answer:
4,42
